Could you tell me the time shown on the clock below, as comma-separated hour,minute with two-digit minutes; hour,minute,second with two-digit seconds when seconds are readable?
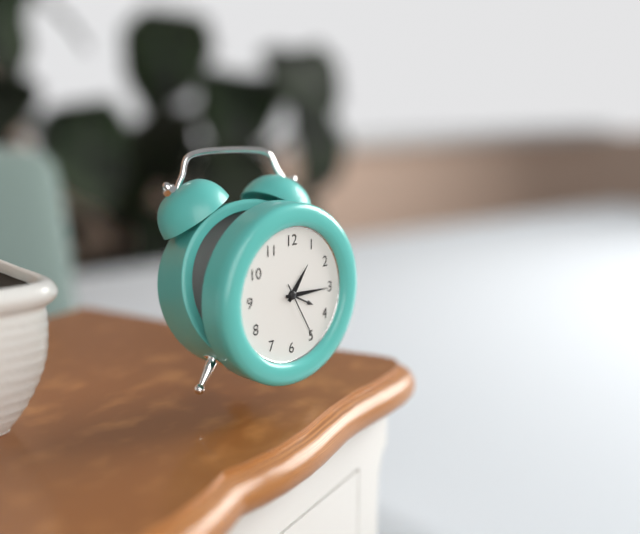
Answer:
1,15,25
